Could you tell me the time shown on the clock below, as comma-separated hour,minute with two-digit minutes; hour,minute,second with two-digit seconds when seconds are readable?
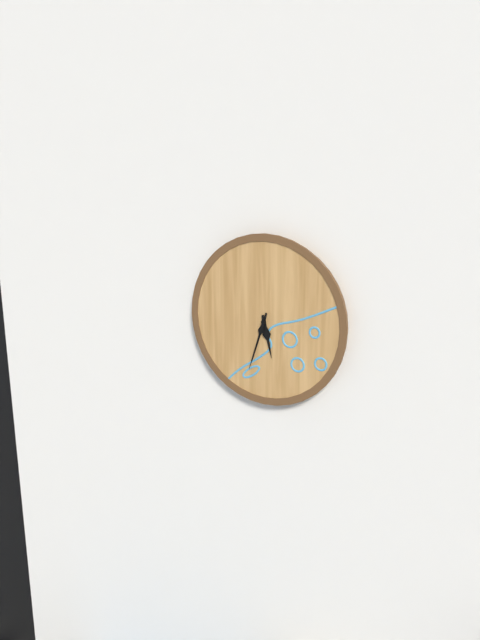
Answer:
5,33
